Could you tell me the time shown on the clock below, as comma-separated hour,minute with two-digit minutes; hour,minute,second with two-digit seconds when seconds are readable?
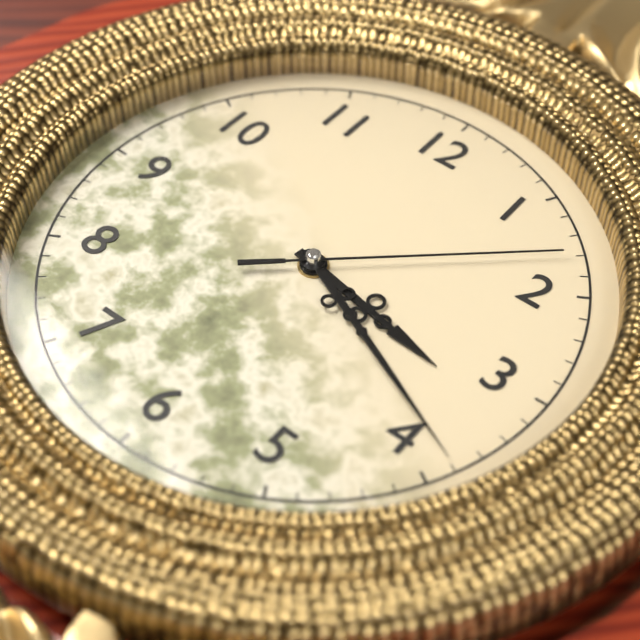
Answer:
3,19,08
